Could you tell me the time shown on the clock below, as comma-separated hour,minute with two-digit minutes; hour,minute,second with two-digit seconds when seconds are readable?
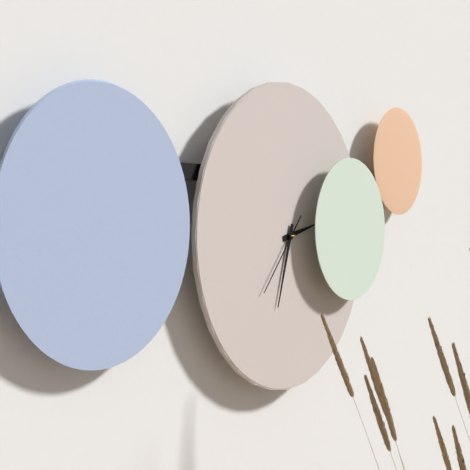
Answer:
2,33,37
